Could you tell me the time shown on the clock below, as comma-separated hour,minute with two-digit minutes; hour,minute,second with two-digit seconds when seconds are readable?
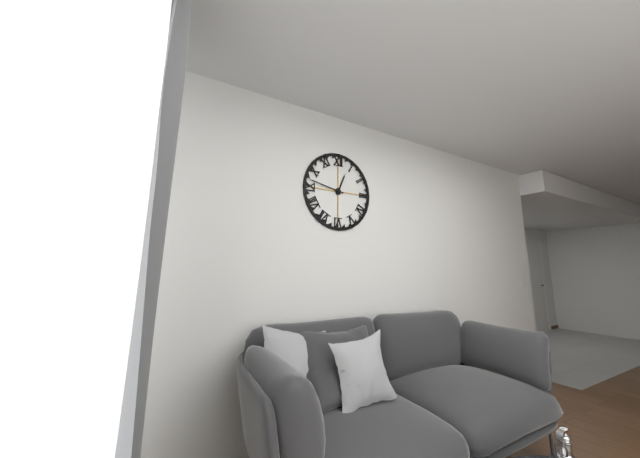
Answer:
12,47
